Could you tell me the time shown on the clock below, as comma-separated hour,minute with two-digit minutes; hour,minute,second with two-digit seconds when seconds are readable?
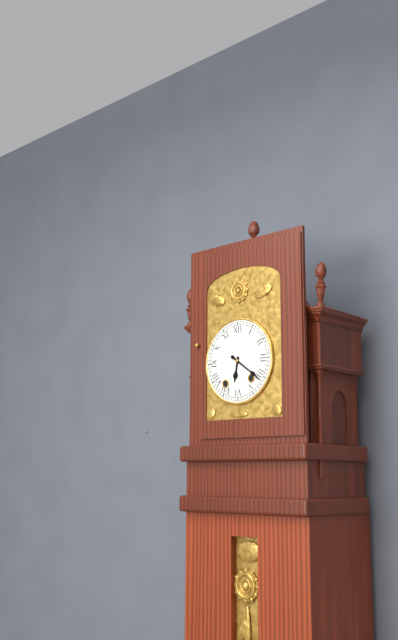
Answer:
6,21
